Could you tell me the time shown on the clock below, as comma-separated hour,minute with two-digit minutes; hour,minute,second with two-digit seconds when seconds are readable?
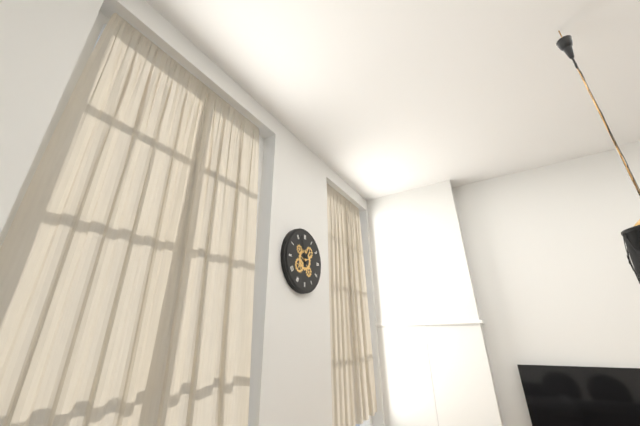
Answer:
12,57
